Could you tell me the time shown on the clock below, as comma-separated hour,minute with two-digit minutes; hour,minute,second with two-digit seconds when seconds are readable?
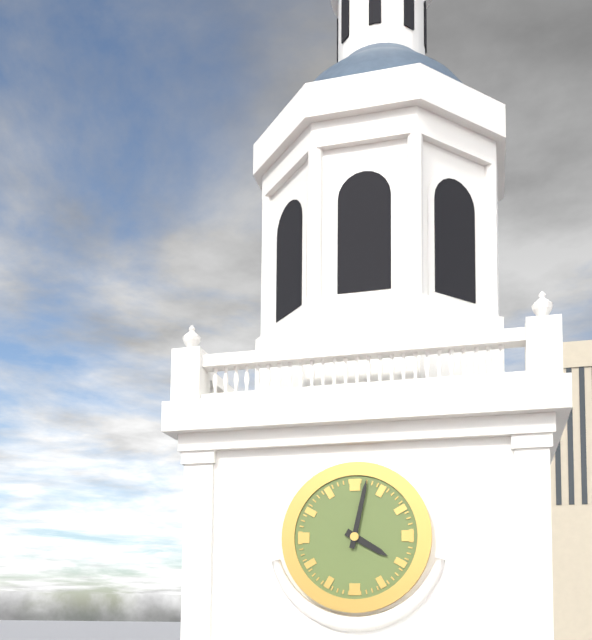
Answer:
4,02
